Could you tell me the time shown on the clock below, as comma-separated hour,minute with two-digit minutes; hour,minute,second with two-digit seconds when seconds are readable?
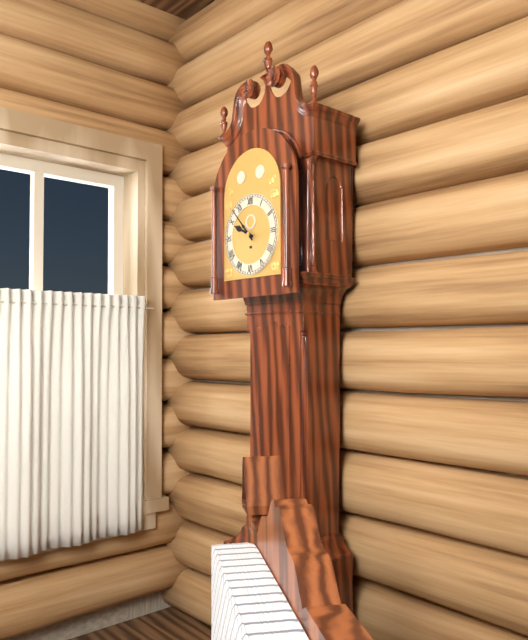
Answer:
9,53
